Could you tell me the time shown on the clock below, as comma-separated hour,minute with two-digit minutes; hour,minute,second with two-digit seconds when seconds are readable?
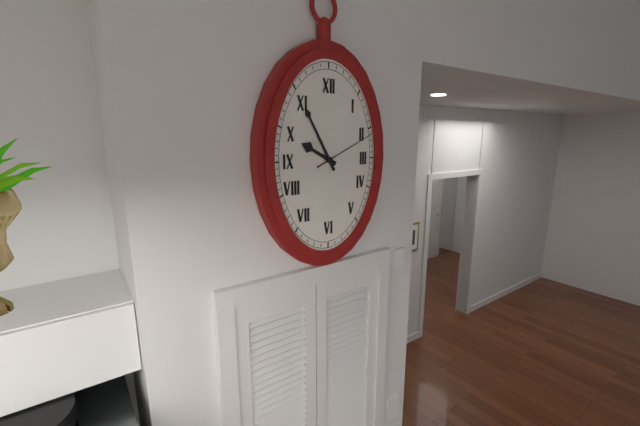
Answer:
9,55,11
